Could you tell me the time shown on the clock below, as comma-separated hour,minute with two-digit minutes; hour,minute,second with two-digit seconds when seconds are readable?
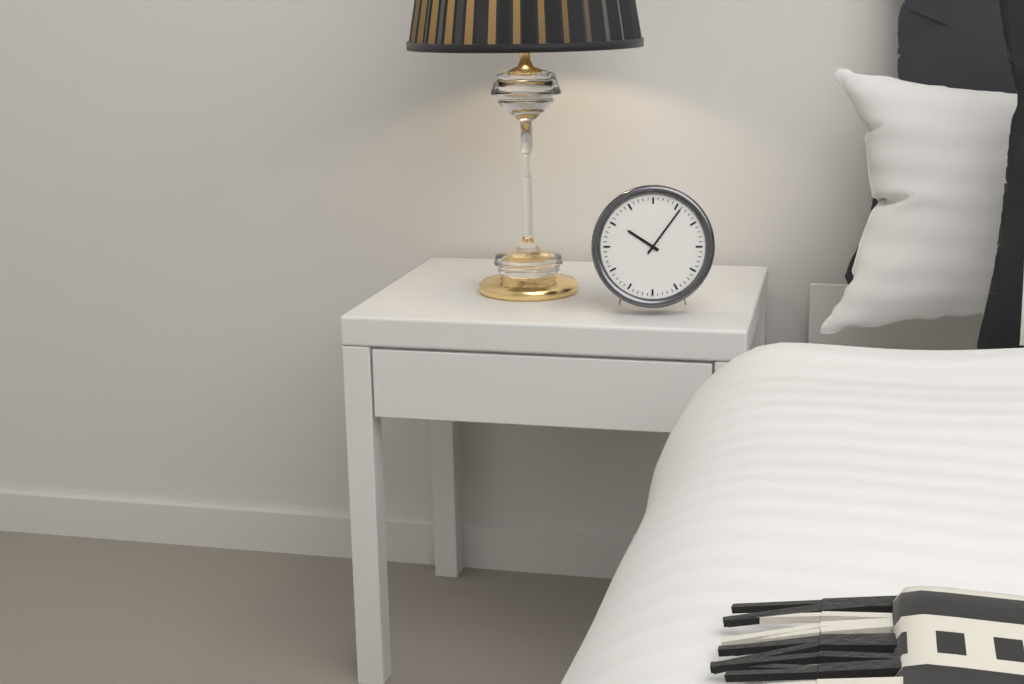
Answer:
10,06
